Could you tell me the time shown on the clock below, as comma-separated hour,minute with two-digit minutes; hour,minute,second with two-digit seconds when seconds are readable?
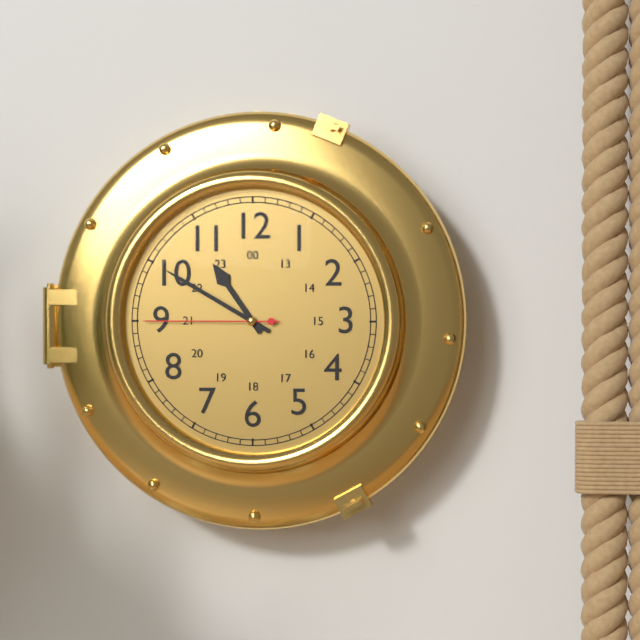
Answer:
10,50,45
